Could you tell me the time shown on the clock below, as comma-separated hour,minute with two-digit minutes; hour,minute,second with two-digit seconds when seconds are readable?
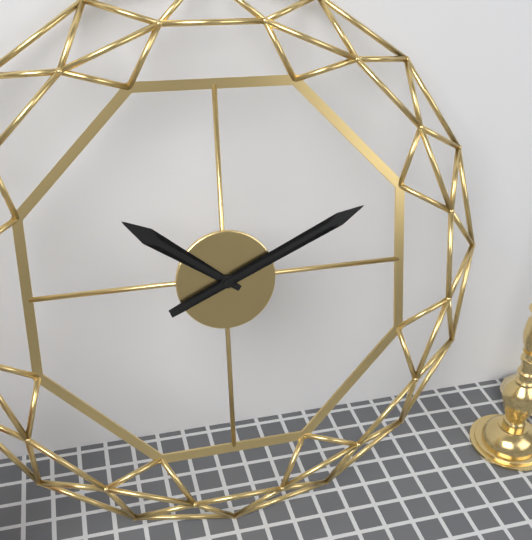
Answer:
10,11
